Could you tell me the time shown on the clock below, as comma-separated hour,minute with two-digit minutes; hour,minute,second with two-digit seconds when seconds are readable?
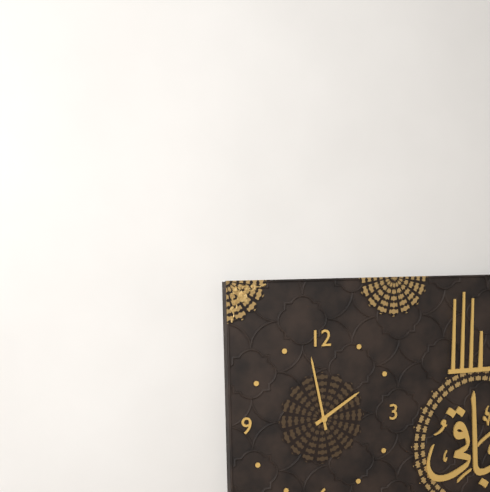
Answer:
1,58
